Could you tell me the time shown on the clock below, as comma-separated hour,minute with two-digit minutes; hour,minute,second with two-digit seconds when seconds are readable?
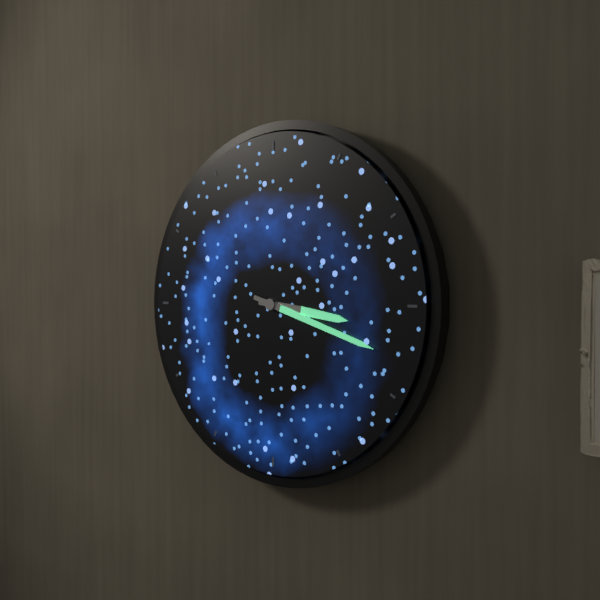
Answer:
3,18
